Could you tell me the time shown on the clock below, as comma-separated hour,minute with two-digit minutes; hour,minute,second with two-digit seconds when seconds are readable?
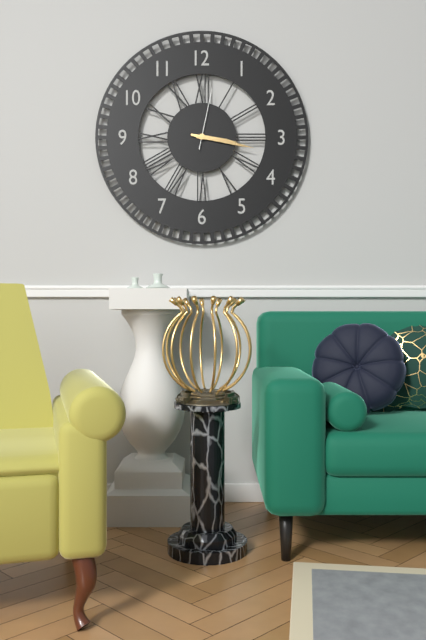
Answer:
3,17,02
